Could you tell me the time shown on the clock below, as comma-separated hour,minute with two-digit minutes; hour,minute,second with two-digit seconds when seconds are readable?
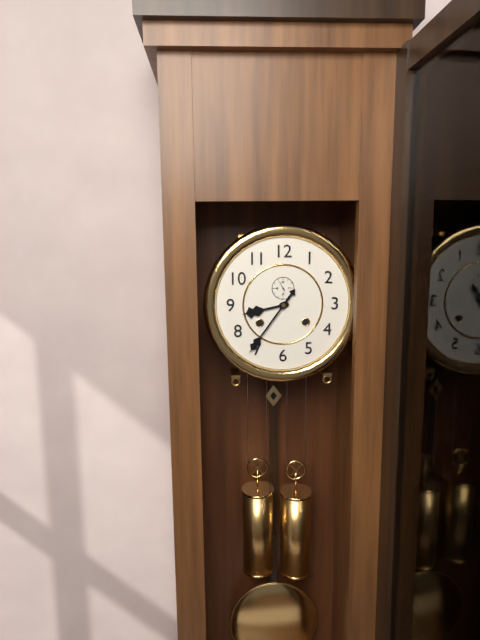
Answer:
8,36
